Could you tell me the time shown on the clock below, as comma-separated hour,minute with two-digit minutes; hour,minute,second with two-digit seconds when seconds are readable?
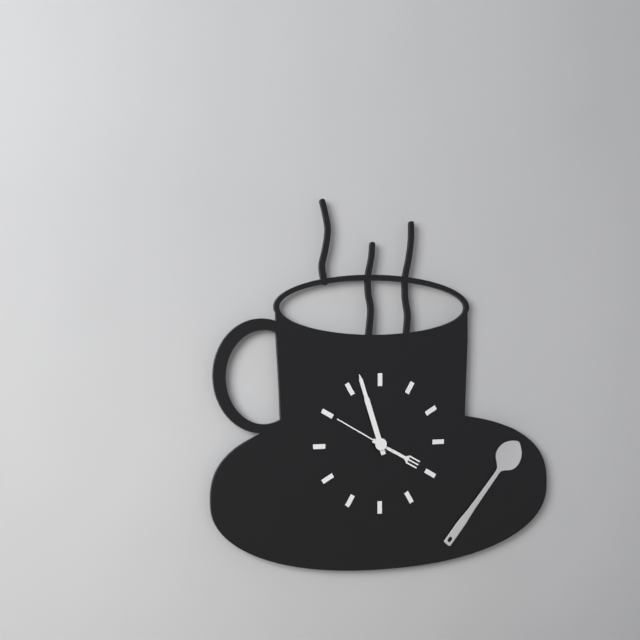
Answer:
3,57,50
